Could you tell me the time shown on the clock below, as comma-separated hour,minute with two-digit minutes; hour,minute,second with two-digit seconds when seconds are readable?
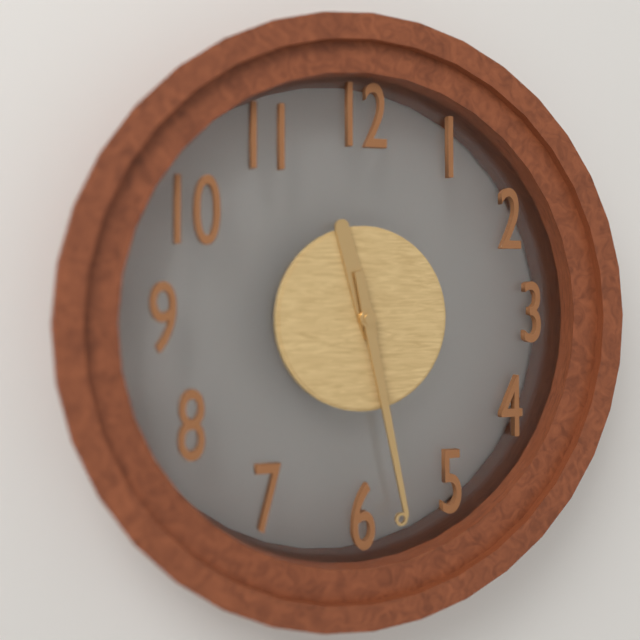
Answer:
11,28
